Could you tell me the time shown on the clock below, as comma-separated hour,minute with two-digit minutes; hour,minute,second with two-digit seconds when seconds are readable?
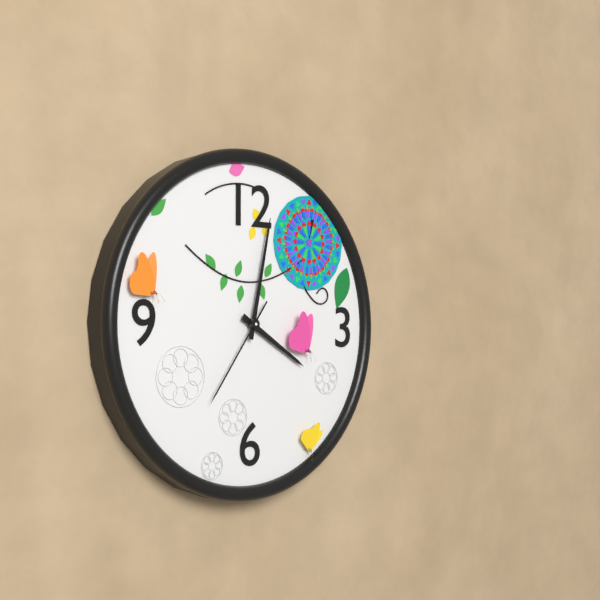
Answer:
4,02,36
